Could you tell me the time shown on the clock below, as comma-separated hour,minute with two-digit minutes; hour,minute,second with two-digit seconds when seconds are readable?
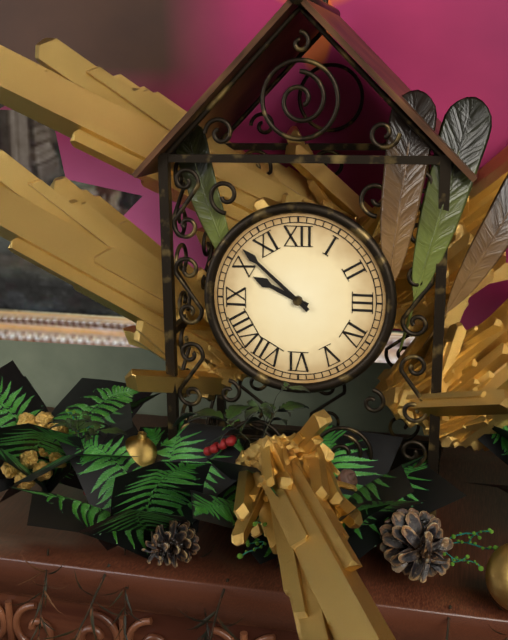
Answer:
9,52
